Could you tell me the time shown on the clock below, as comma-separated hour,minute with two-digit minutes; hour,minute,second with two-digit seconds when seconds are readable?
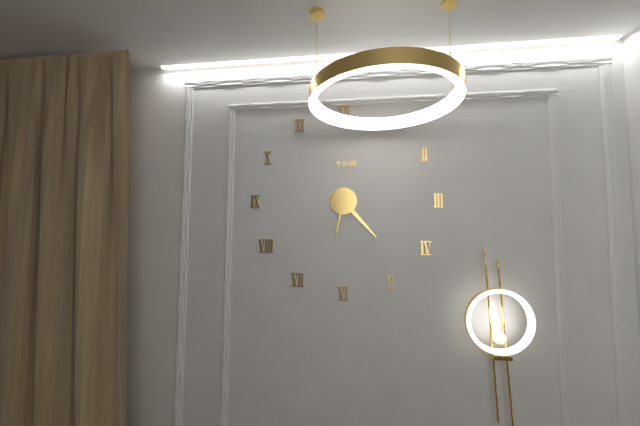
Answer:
6,23
